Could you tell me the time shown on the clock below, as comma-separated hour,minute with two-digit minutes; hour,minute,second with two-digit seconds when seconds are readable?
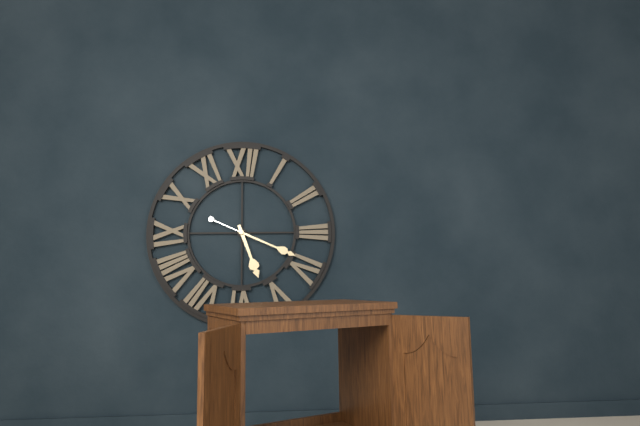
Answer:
5,19
